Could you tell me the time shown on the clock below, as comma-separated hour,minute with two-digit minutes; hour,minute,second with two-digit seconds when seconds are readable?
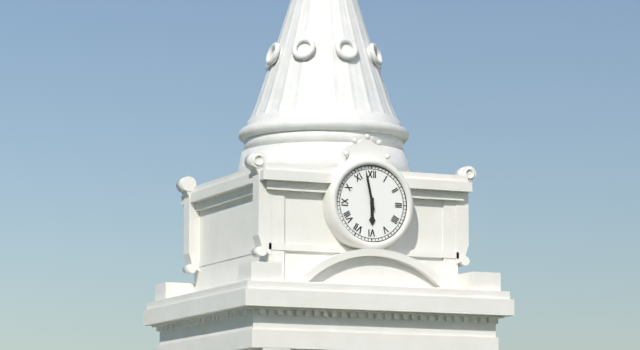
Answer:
5,58
